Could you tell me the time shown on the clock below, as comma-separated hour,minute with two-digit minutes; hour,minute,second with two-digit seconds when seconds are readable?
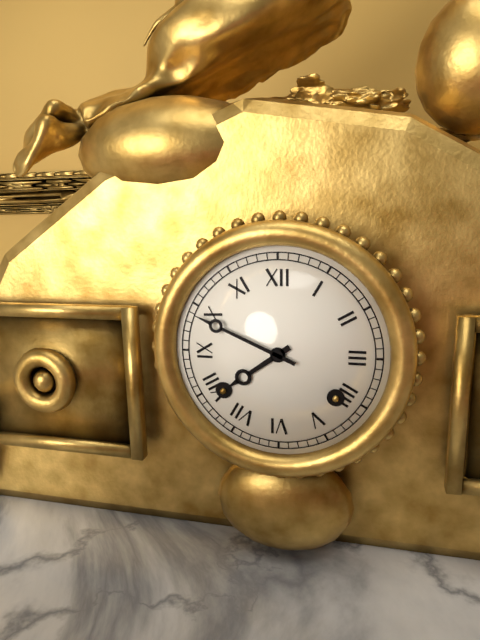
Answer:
7,49
